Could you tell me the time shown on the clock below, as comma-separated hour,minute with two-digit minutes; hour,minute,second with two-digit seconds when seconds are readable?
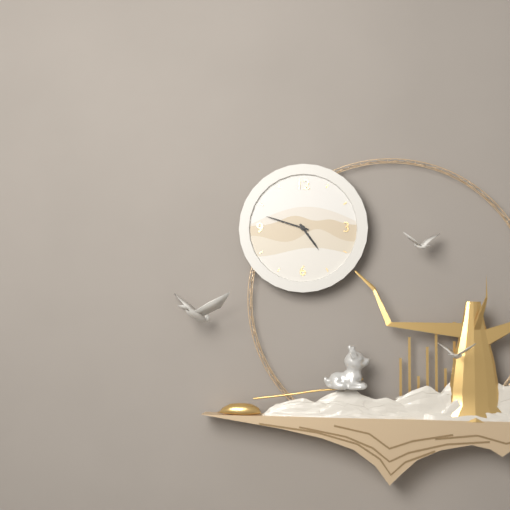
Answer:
4,48
